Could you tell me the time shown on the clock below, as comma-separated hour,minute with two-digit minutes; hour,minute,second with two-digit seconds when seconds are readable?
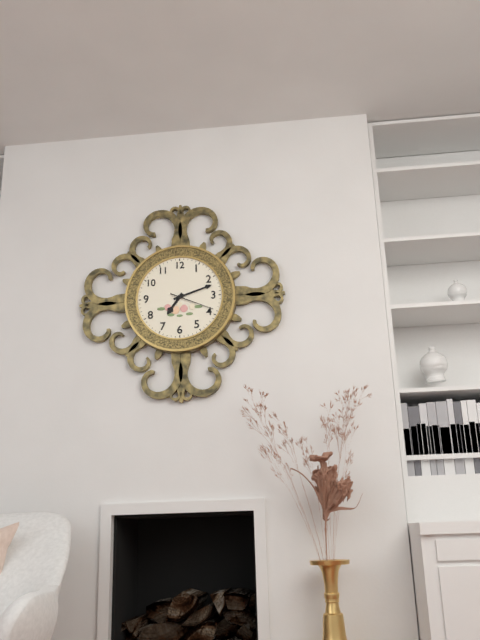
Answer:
7,12
